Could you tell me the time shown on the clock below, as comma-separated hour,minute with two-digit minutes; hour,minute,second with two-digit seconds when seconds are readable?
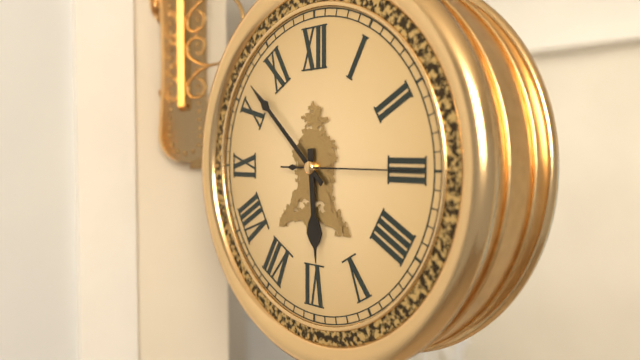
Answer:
5,52,15
